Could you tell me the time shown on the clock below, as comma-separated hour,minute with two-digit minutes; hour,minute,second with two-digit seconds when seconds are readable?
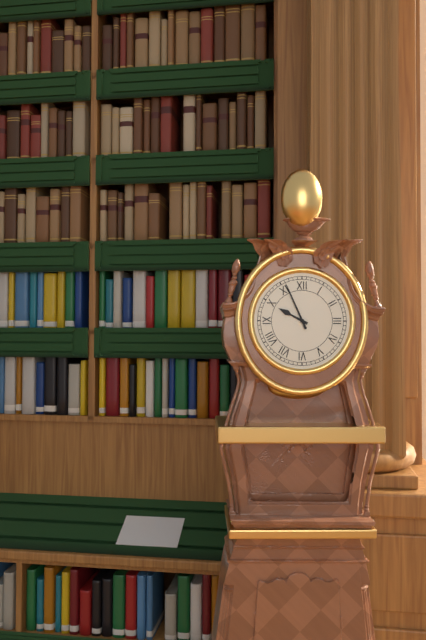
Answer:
9,56
